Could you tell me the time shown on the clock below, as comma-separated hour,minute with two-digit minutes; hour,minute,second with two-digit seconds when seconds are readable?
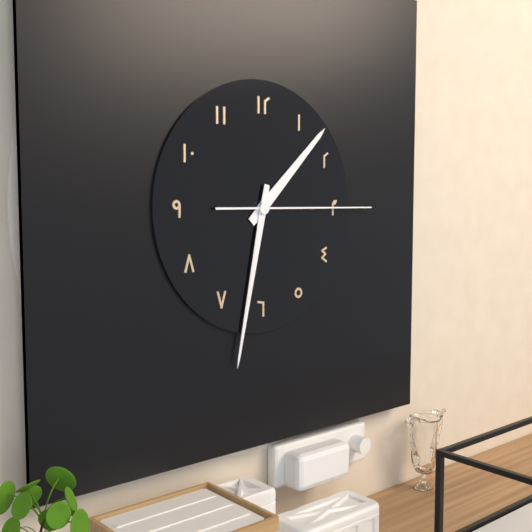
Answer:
1,32,15
